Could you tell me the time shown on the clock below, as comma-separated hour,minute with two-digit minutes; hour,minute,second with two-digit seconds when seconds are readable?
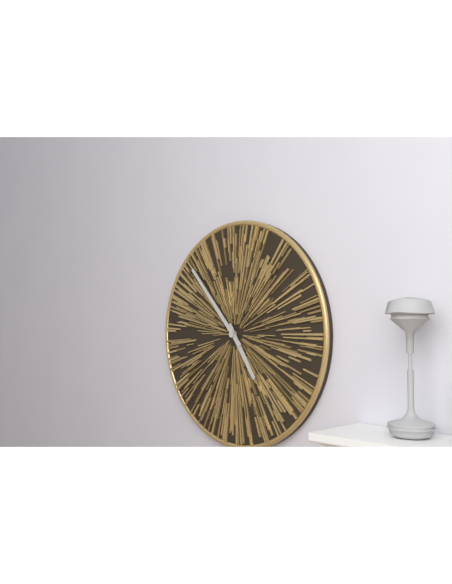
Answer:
4,53
